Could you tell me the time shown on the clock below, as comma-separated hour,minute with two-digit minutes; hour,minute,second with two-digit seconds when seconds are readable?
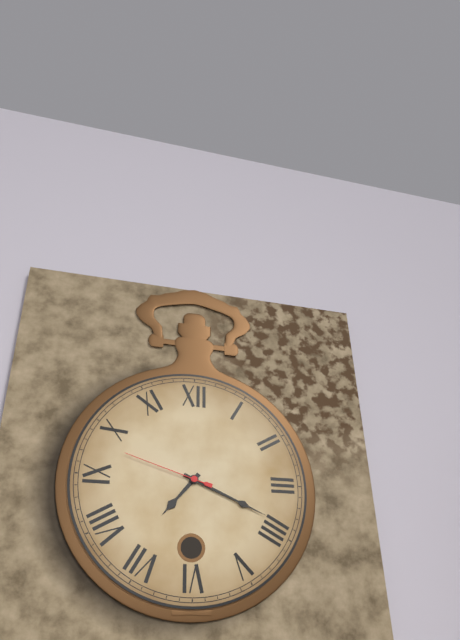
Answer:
7,19,48
